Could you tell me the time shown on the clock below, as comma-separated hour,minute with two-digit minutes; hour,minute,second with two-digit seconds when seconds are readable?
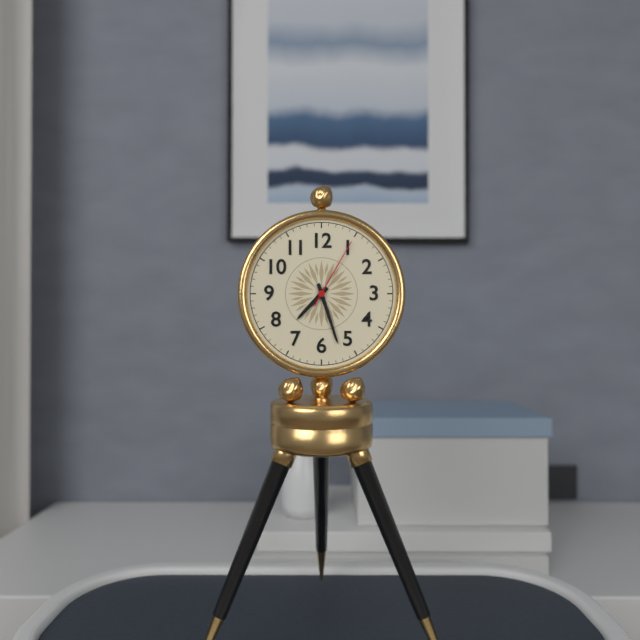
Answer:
7,27,05
